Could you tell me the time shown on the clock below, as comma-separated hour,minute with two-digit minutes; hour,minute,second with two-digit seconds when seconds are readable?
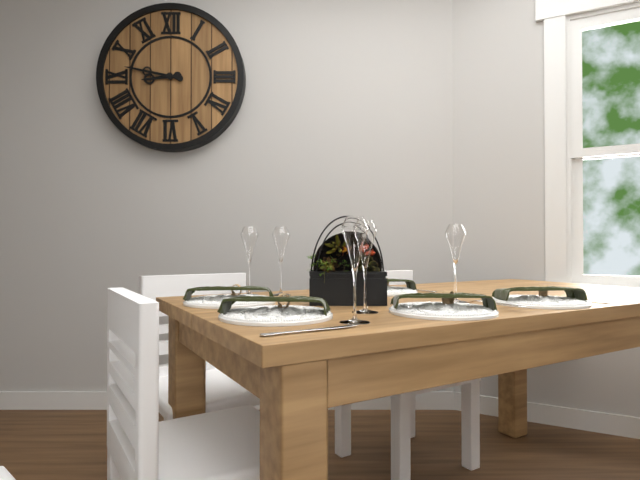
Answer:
8,47
